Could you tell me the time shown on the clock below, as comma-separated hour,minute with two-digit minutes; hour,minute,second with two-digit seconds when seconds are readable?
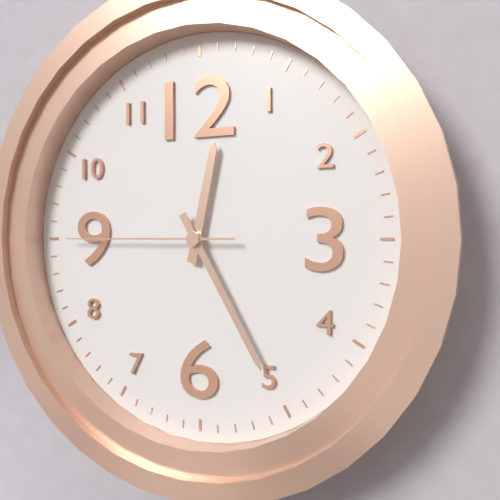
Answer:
12,25,45
